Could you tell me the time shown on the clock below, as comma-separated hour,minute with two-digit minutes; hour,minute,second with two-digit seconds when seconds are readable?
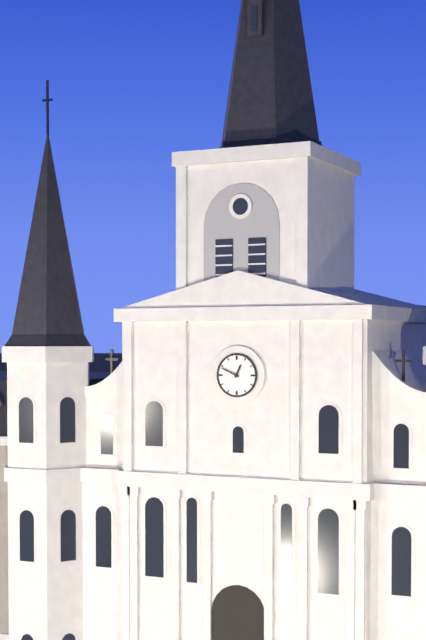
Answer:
12,49
